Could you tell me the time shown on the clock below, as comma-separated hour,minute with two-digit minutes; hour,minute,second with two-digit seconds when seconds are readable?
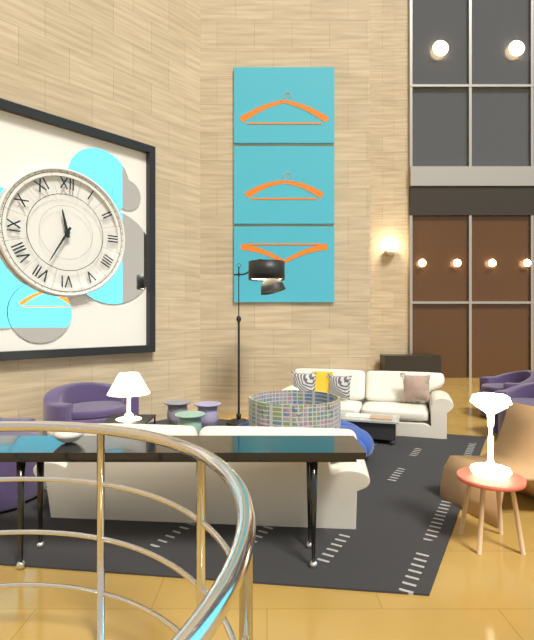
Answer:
11,35
